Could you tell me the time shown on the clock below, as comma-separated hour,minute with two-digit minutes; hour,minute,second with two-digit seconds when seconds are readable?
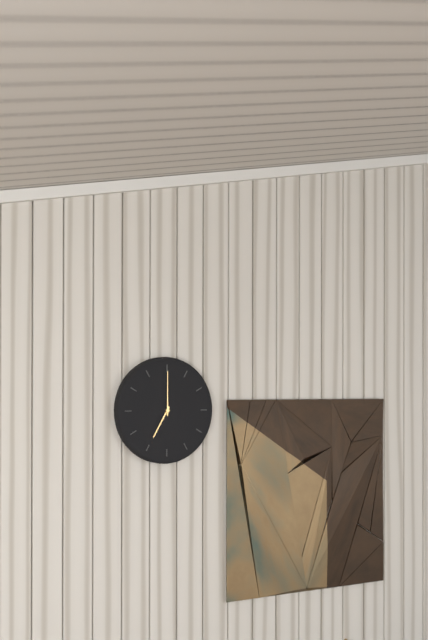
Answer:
7,00
